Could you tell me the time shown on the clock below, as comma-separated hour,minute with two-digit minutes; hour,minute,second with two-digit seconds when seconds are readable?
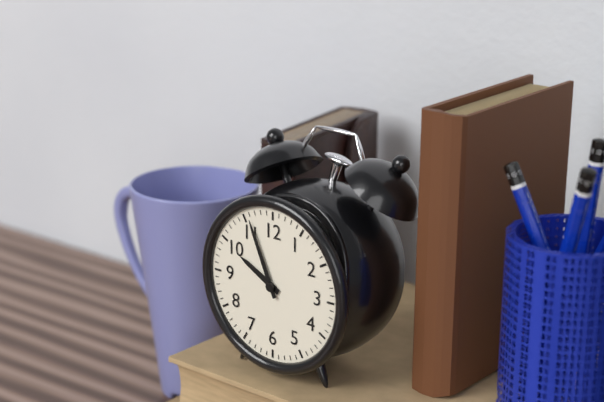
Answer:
9,56
